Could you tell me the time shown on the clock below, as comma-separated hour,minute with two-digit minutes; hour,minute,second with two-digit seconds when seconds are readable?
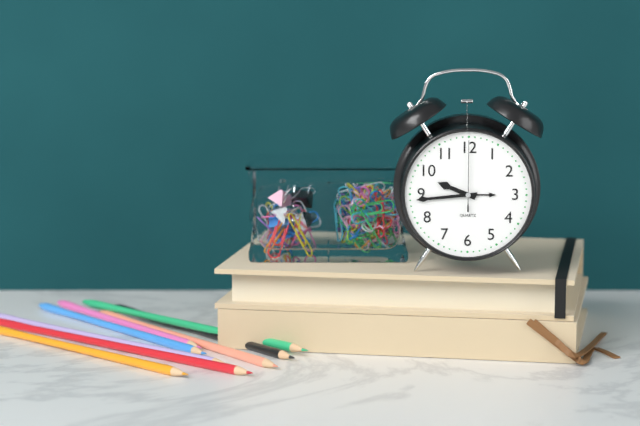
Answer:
9,44,00
